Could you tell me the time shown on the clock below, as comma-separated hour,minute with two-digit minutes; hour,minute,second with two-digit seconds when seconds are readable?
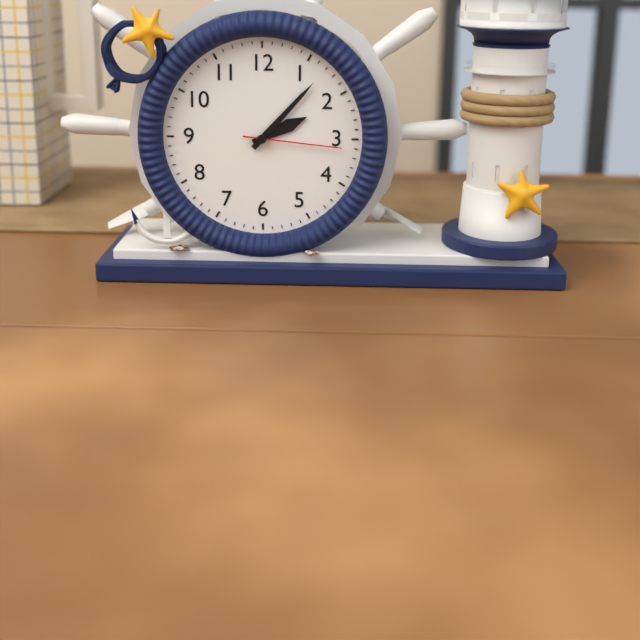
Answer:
2,07,16
